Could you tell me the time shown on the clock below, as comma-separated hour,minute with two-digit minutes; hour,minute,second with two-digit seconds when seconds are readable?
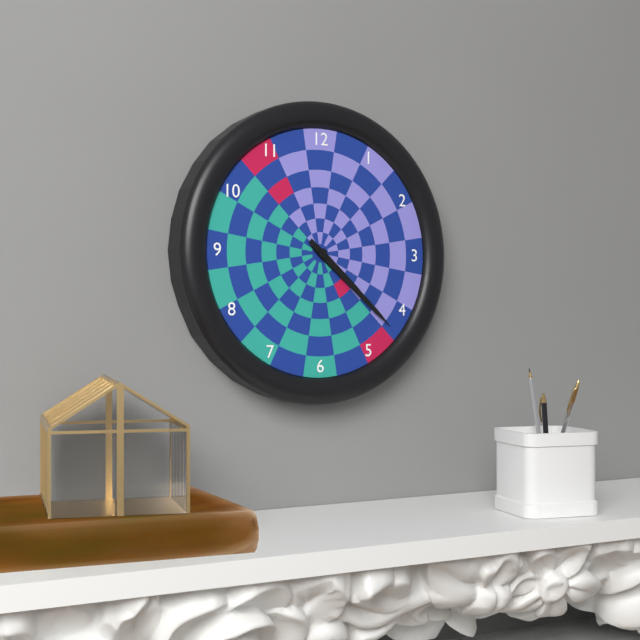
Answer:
4,22
